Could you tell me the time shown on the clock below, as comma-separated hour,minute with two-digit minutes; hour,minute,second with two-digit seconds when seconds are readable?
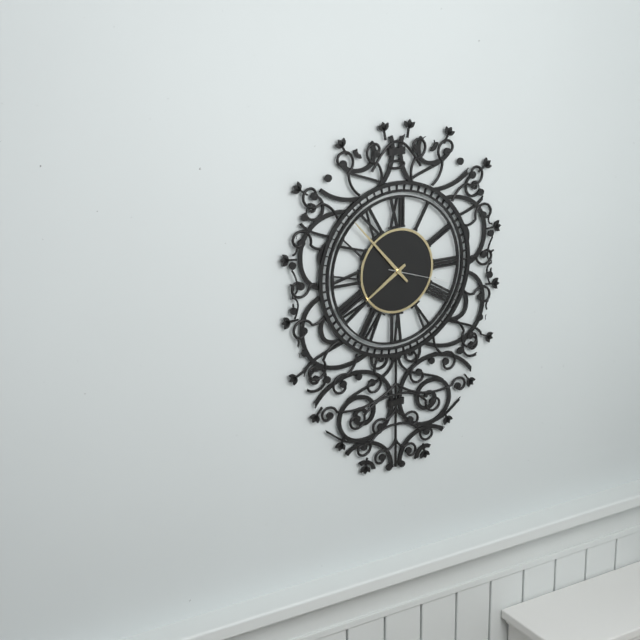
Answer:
7,53,18
